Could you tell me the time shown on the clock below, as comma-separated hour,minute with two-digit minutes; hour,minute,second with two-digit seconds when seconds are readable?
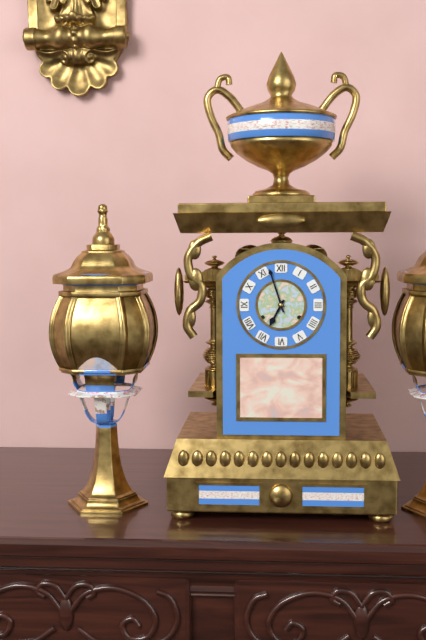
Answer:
6,57
